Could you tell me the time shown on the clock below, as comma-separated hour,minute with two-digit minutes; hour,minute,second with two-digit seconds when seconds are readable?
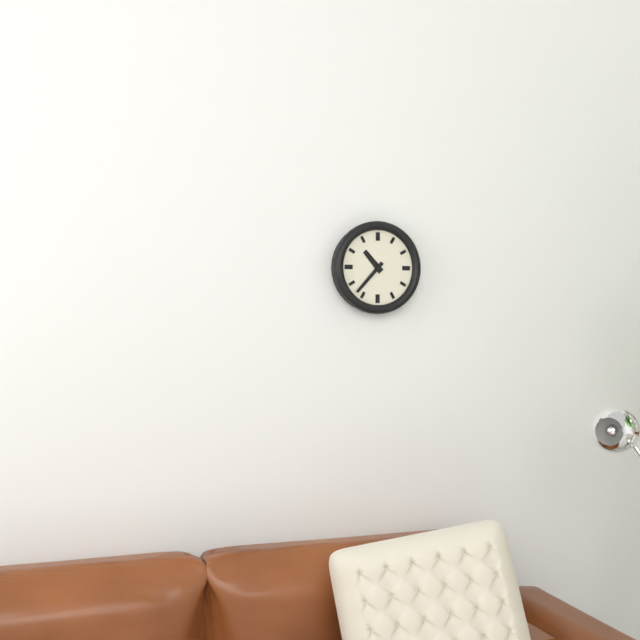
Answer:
10,37
